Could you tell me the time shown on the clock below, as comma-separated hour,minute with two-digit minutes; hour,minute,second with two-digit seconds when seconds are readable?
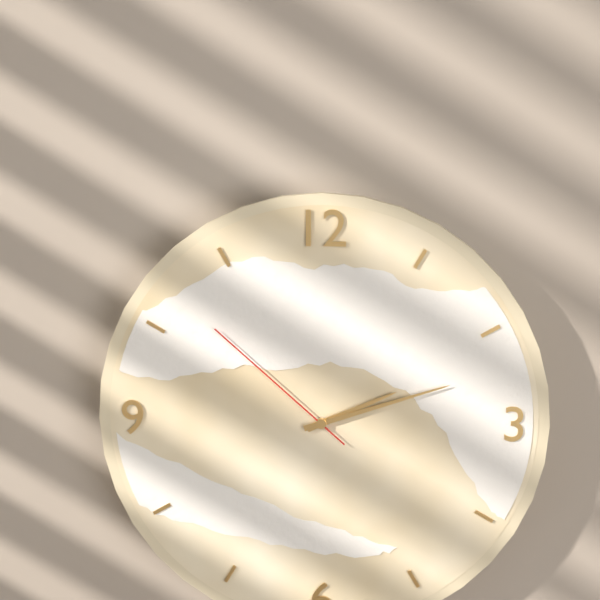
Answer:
2,12,52
